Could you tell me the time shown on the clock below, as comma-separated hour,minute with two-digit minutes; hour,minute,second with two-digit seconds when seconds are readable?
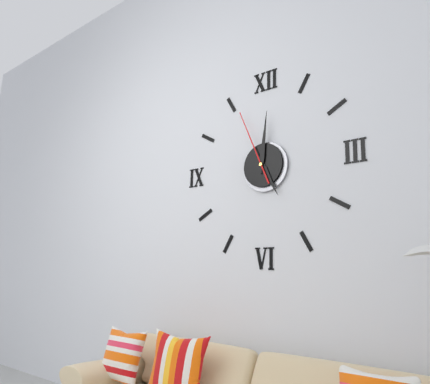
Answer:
5,01,56
